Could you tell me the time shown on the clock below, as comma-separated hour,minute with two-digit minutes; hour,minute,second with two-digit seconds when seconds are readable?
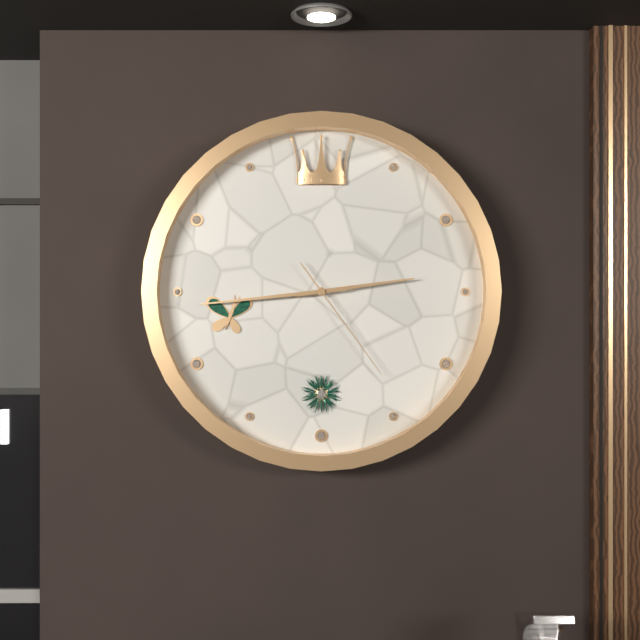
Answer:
2,44,24
